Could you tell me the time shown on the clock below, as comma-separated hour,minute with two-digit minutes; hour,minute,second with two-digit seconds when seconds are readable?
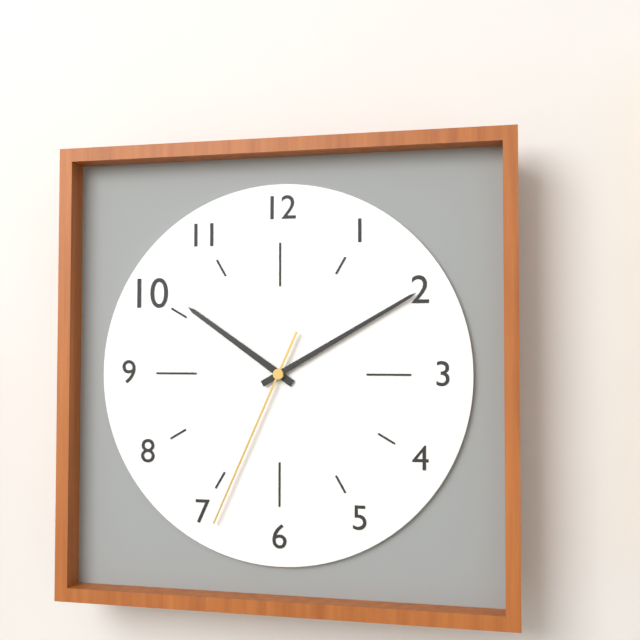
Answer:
10,10,34
